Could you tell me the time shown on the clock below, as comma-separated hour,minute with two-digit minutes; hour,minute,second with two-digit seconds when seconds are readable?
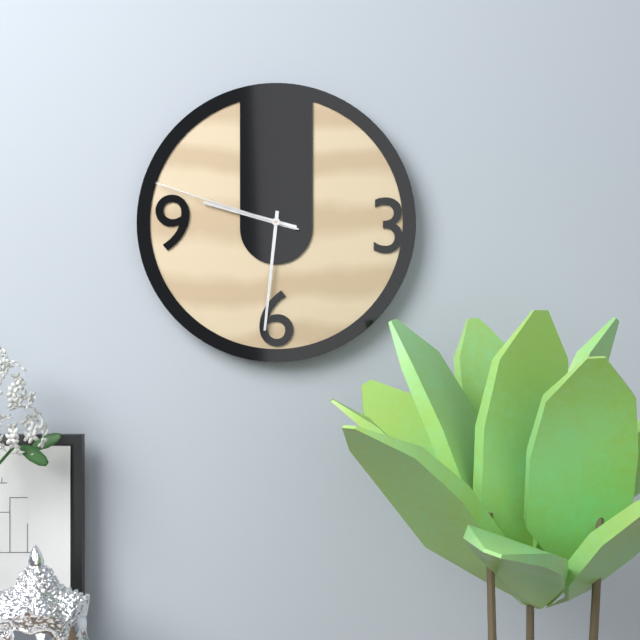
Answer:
9,31,48
